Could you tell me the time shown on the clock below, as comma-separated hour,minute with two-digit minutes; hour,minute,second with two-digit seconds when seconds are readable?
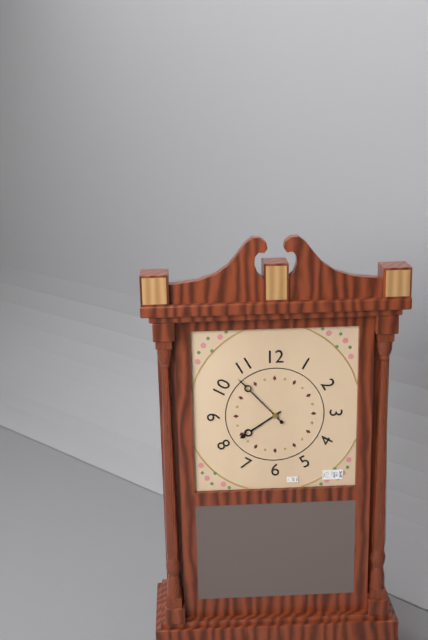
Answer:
7,53
